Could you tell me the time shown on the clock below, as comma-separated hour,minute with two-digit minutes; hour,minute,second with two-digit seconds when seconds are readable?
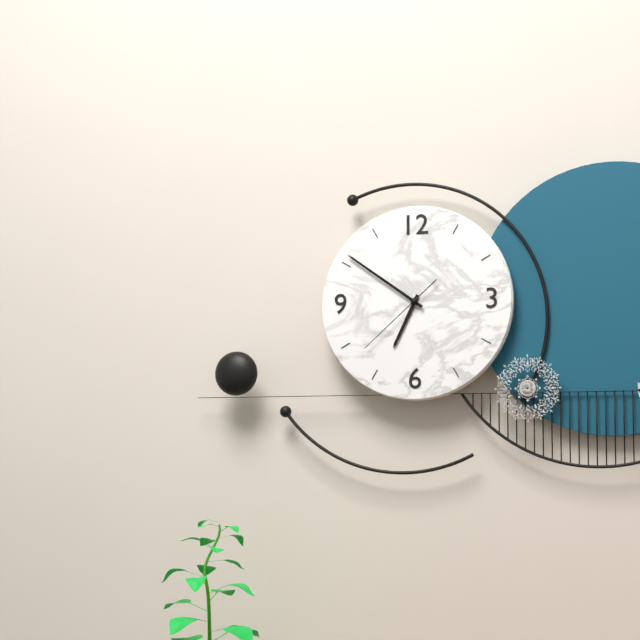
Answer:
6,51,38
